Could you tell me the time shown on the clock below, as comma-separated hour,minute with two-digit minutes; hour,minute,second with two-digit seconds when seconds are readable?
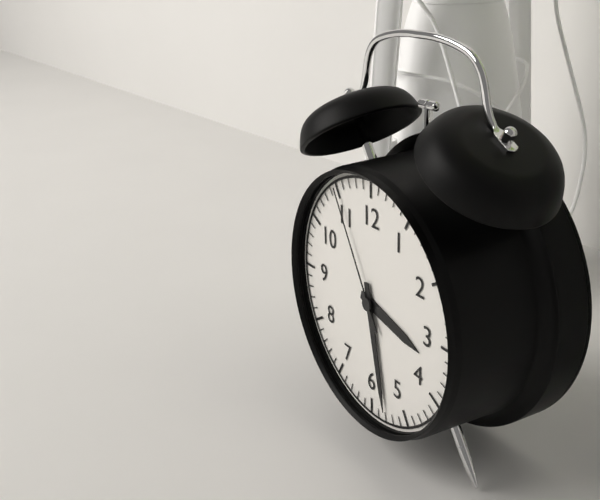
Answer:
3,28,55
